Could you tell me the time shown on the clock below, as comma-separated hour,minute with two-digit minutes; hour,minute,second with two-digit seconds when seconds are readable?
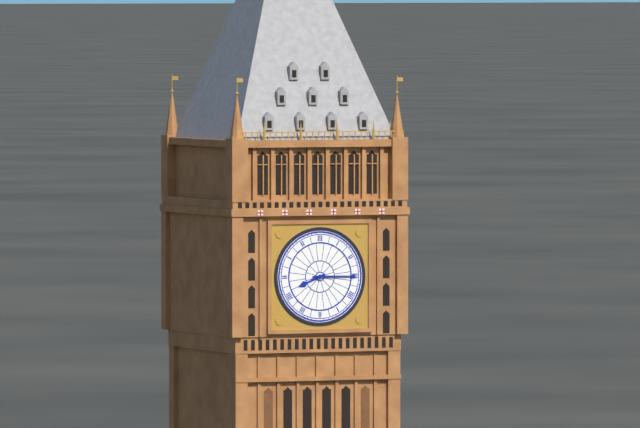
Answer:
8,15
